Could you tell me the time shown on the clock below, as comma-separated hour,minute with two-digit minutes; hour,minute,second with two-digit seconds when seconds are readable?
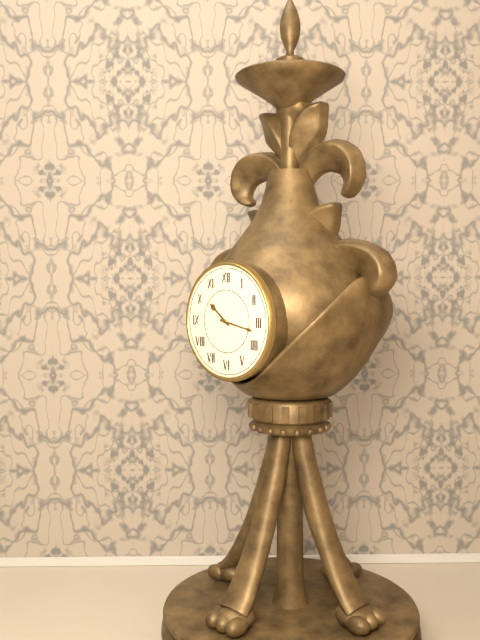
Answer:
10,17
